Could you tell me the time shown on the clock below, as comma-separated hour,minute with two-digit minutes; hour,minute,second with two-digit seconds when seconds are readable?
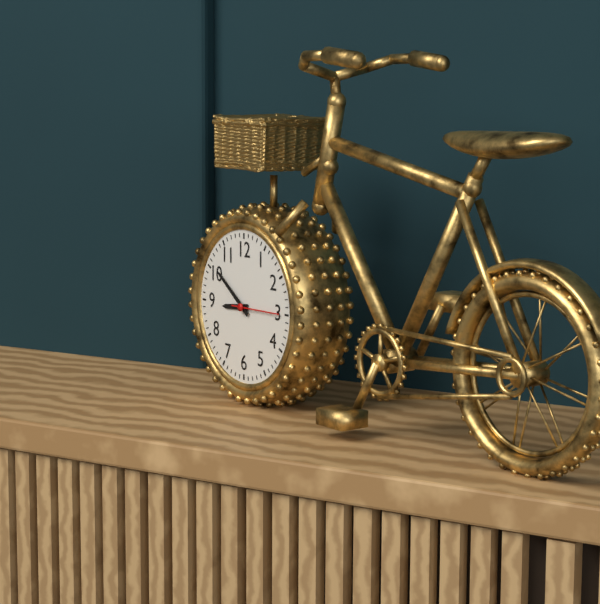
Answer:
8,51
